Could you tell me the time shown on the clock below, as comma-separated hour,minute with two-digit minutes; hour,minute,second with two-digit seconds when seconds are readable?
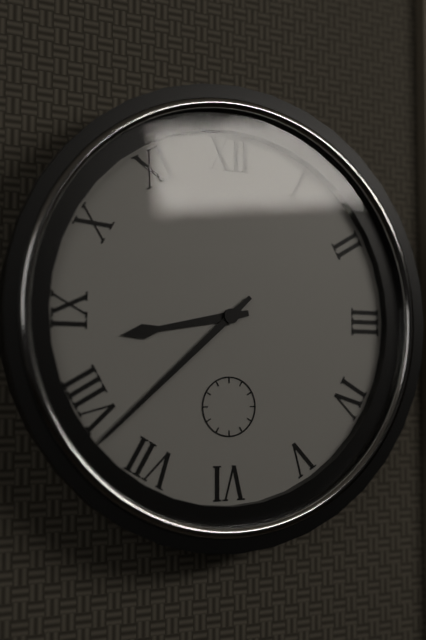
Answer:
8,38
